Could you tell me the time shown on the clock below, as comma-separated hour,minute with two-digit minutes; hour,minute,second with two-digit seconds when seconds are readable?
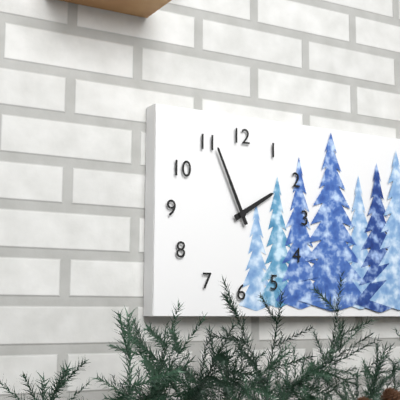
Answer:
1,56
